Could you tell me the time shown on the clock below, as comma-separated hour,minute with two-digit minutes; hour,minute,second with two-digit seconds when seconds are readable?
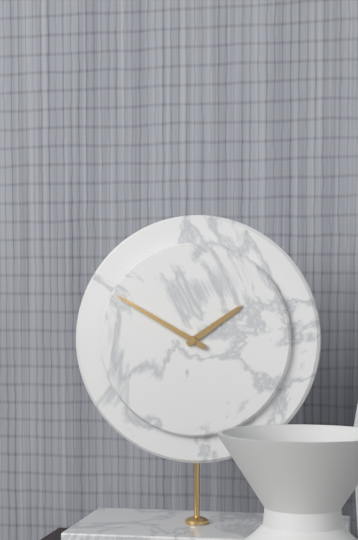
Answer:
1,50
